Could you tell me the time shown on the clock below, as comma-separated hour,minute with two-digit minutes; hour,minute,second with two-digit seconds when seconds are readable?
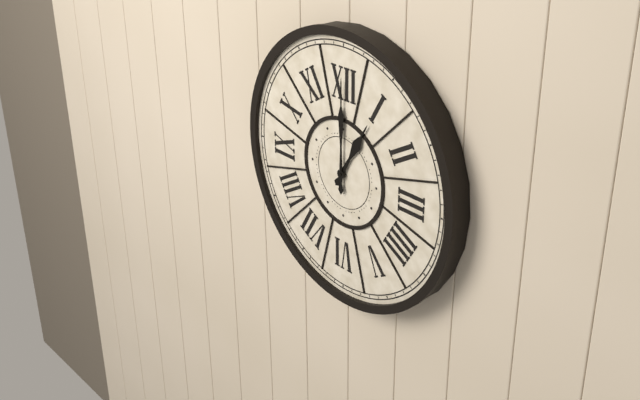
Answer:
1,00
